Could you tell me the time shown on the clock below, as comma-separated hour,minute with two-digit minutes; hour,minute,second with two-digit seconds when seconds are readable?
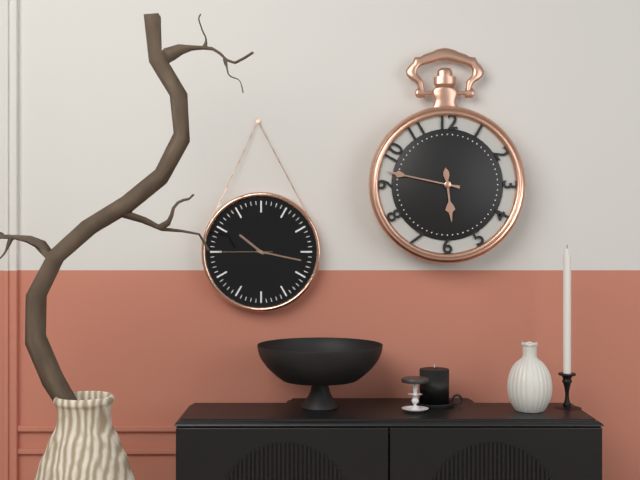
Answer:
5,47
